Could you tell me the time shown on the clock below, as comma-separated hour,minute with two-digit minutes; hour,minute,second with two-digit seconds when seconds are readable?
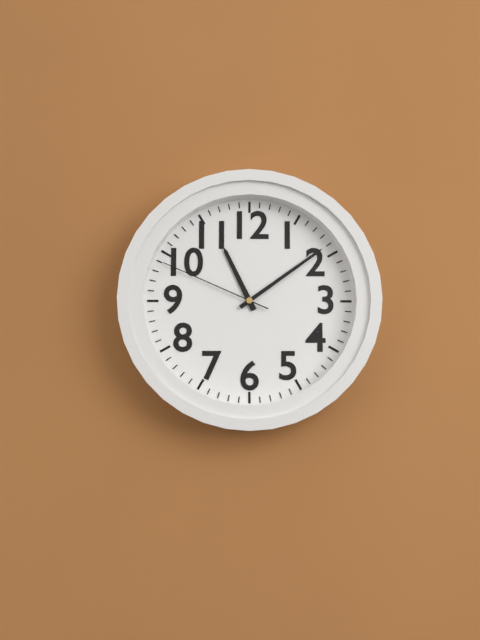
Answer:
11,09,49
